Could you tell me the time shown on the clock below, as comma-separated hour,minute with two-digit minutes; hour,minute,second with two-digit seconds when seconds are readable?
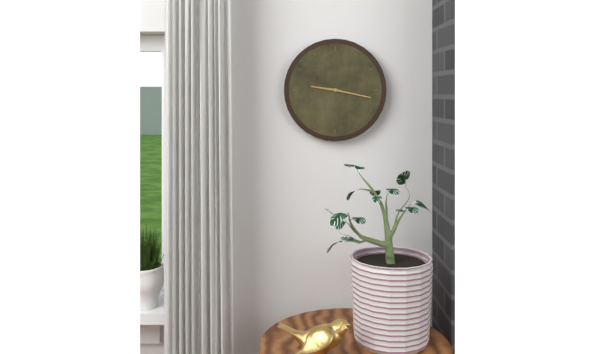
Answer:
9,17
